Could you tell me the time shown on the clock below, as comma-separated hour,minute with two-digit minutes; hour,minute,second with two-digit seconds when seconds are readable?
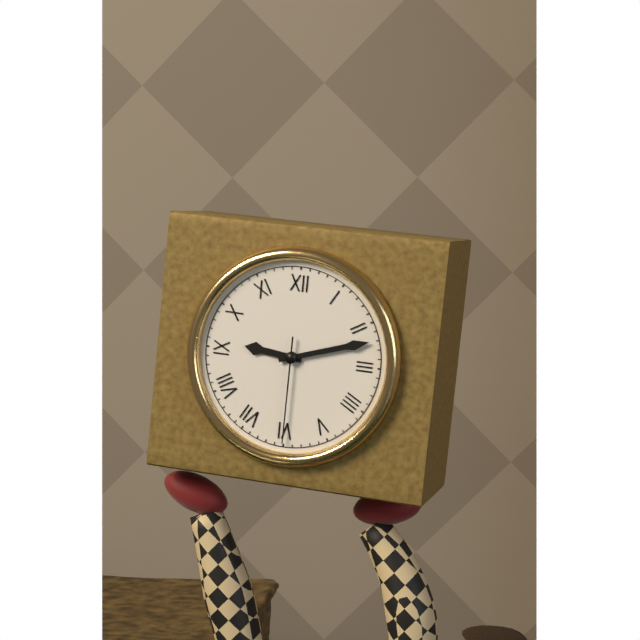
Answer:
9,12,30
